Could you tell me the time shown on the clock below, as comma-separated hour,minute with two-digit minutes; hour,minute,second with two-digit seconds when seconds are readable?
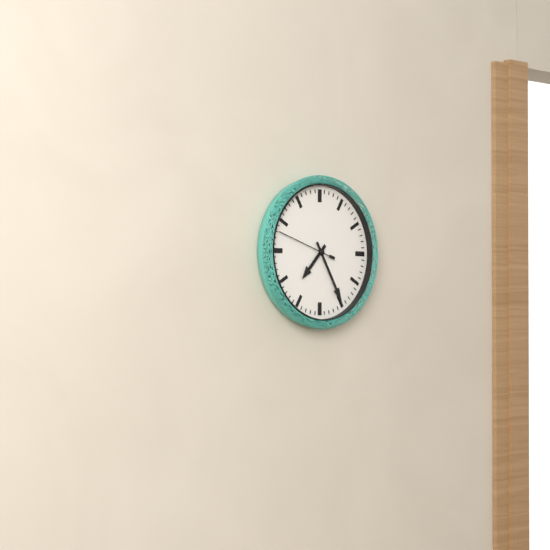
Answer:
7,25,48
